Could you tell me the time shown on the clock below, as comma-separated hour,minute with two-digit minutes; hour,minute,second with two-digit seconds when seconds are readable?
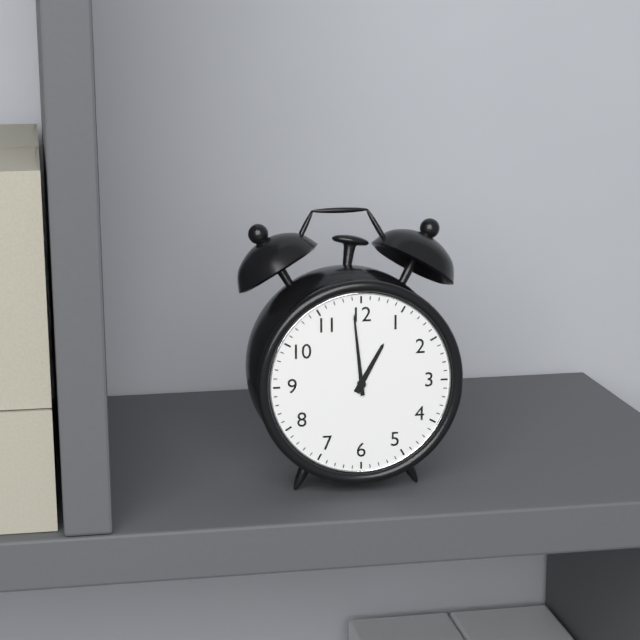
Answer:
12,59
